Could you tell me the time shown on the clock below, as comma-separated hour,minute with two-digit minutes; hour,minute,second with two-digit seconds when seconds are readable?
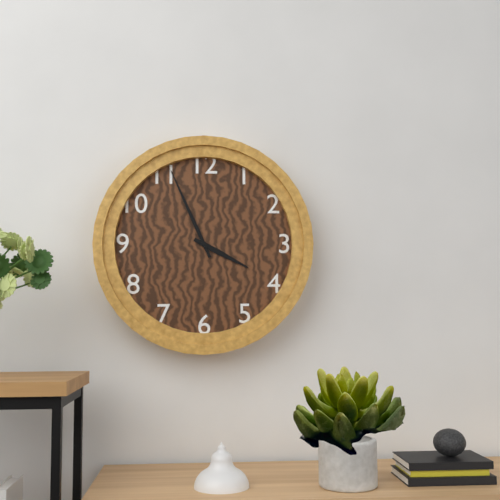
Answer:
3,56
